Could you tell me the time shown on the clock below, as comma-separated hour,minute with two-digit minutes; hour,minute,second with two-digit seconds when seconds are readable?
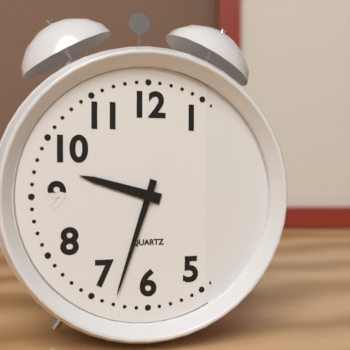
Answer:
9,33
